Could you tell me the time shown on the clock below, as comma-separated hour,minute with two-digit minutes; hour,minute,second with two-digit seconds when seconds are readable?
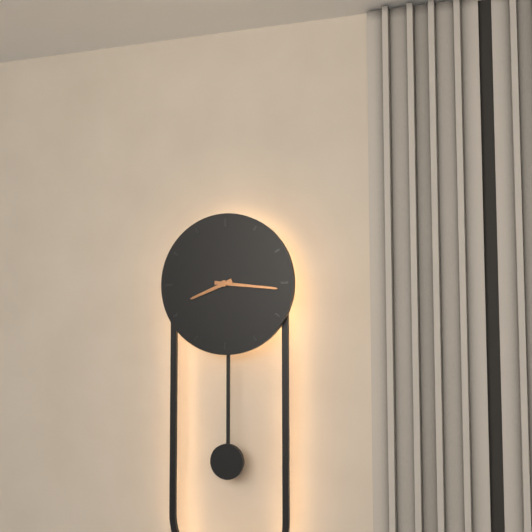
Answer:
8,16
